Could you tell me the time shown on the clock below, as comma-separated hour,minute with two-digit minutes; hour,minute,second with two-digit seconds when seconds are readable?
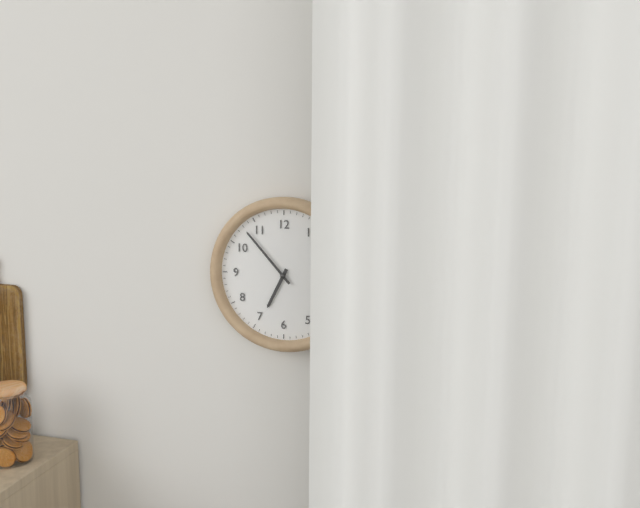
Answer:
6,53
